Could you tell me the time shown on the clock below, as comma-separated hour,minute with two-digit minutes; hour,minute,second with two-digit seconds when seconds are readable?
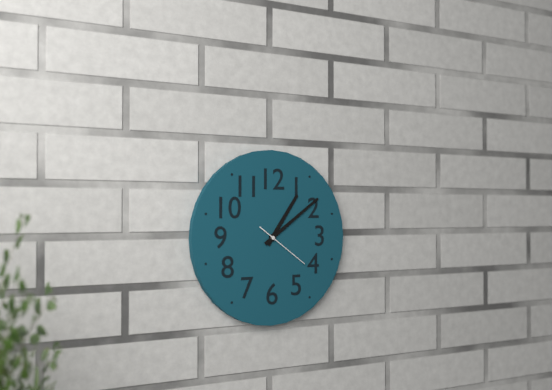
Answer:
1,09,21
